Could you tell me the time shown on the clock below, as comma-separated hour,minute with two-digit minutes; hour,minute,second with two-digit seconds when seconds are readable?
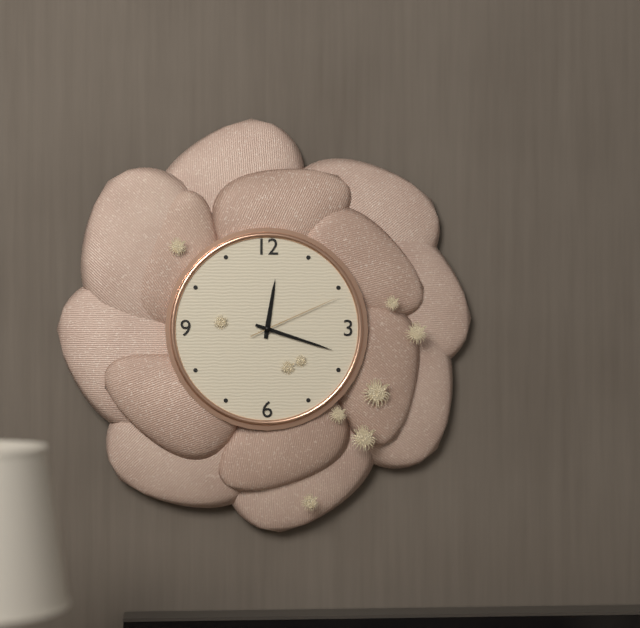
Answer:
12,18,11
